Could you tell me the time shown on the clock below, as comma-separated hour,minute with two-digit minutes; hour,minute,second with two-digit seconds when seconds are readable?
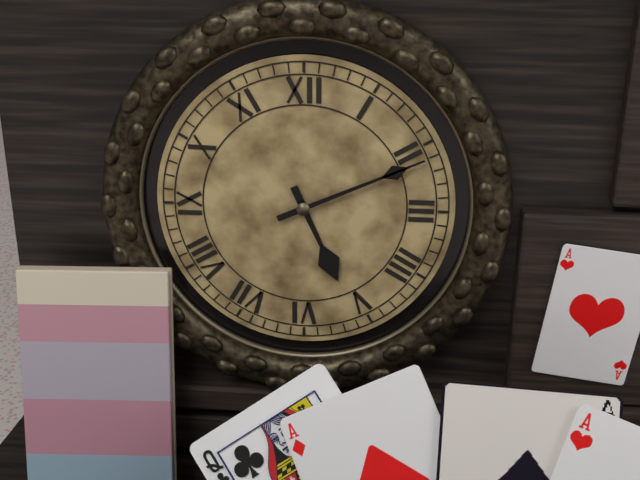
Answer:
5,11
